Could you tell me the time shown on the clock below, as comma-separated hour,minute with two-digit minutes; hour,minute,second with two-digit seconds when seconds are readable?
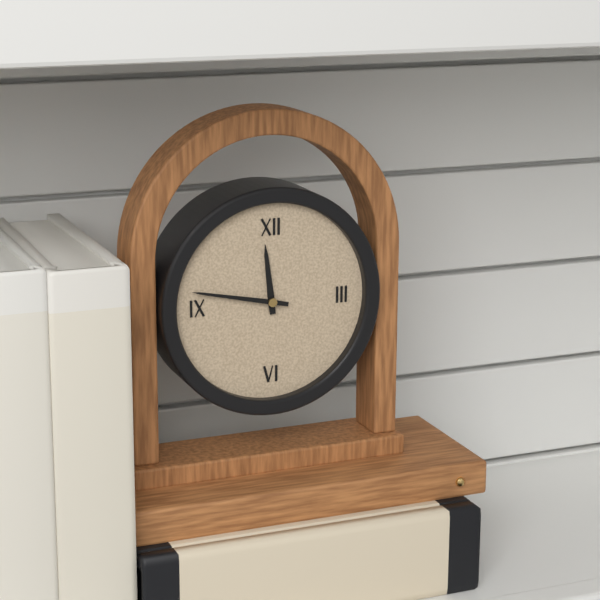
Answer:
11,47
